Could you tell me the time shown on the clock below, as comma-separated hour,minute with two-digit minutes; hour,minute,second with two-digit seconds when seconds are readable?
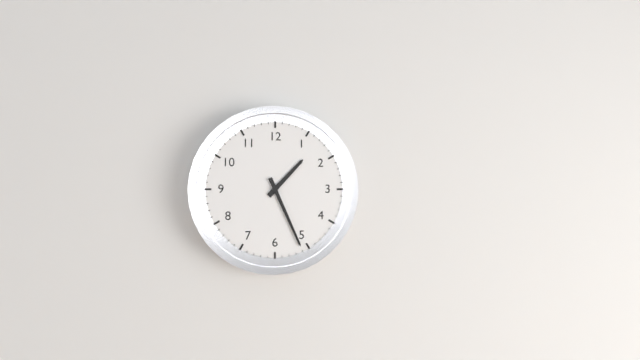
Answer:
1,26
